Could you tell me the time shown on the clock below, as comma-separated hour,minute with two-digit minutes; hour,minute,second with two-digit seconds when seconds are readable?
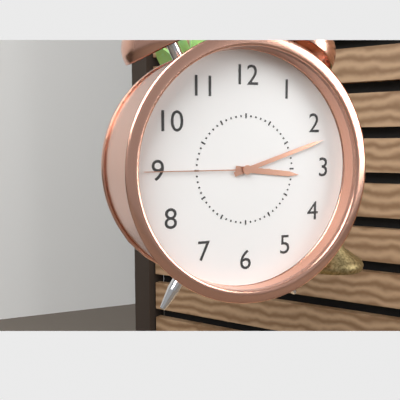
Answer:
3,12,45
